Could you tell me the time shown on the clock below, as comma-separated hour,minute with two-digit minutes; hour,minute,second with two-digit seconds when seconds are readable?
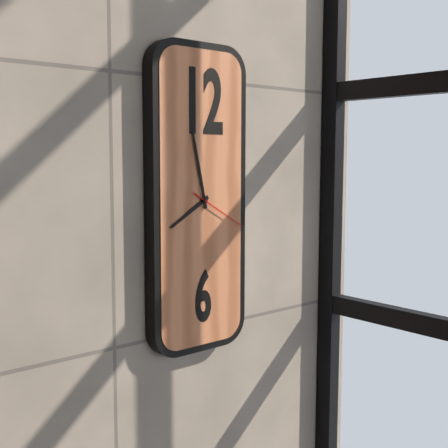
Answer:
7,58,20
